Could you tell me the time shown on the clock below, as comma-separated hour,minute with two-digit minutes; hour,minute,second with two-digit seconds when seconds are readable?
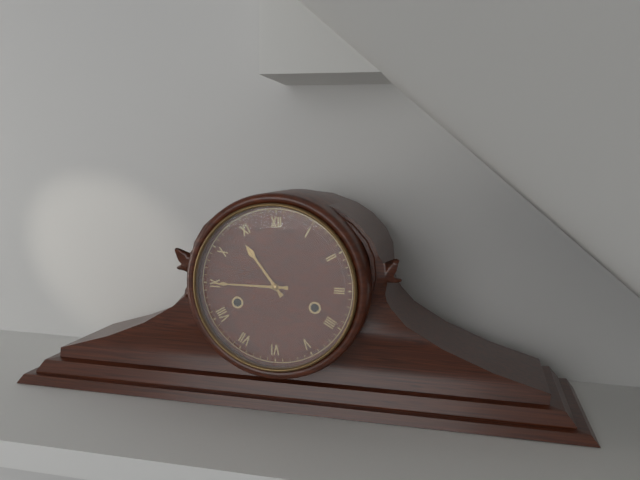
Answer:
10,45
